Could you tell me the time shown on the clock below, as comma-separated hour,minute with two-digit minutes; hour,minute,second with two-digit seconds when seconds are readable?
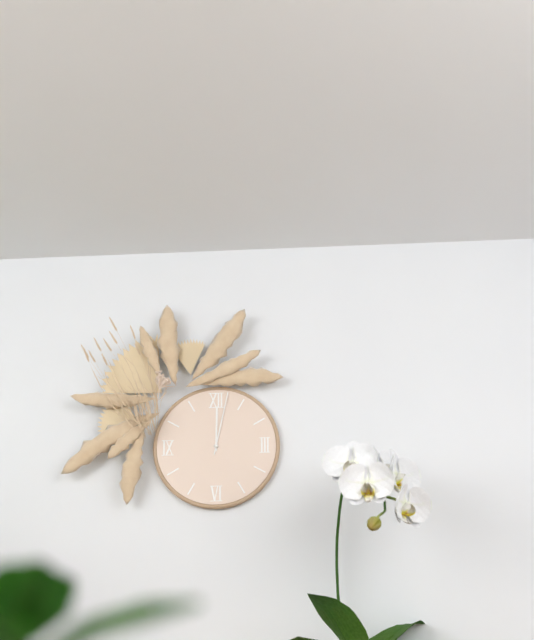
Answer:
12,02
